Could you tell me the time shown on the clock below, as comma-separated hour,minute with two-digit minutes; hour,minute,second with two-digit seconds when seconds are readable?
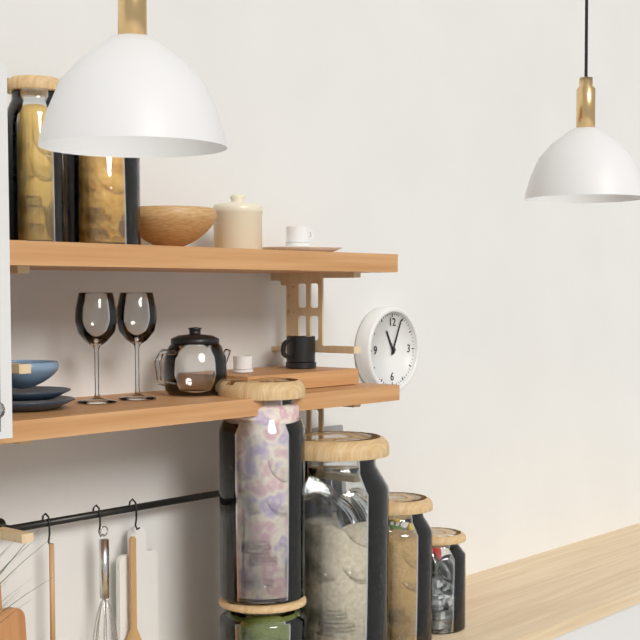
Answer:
11,04
